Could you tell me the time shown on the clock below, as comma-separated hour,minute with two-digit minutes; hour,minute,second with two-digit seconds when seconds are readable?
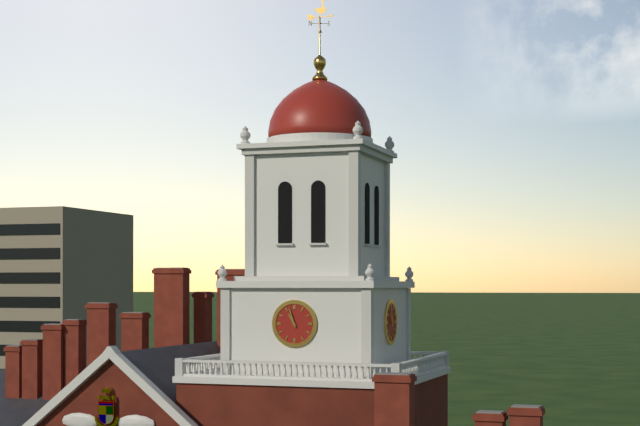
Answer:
10,57
